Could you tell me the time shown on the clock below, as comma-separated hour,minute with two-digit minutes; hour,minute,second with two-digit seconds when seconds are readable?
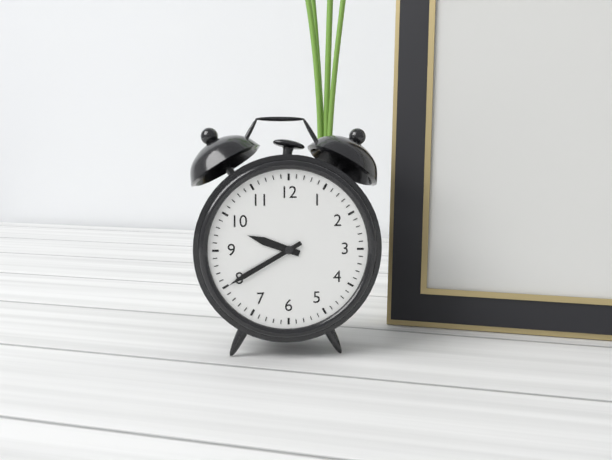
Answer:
9,40
